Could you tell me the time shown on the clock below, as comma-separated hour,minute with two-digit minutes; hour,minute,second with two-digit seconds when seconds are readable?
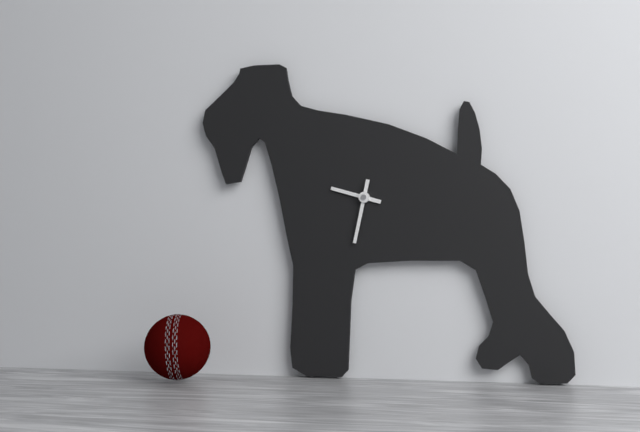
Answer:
9,32
